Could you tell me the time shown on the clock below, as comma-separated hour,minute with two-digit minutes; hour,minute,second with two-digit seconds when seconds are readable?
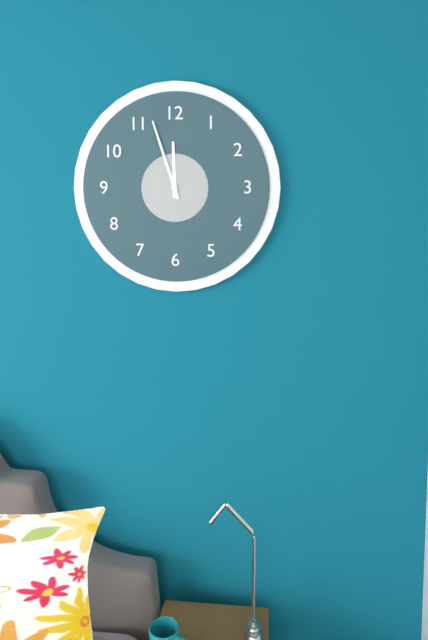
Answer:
11,57
